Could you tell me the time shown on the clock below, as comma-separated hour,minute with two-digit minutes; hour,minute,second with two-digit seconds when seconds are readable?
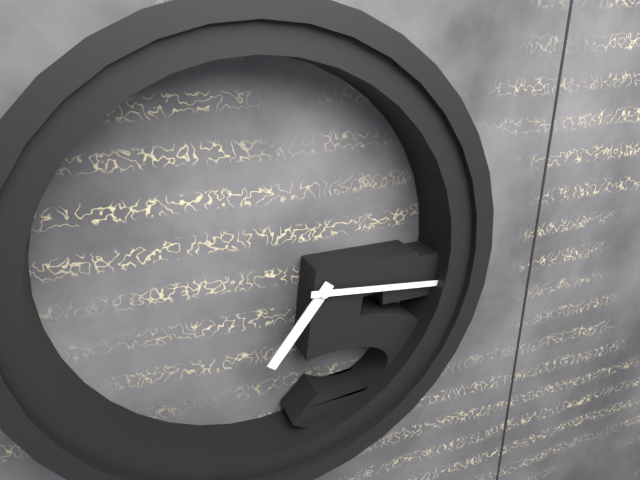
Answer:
7,16
